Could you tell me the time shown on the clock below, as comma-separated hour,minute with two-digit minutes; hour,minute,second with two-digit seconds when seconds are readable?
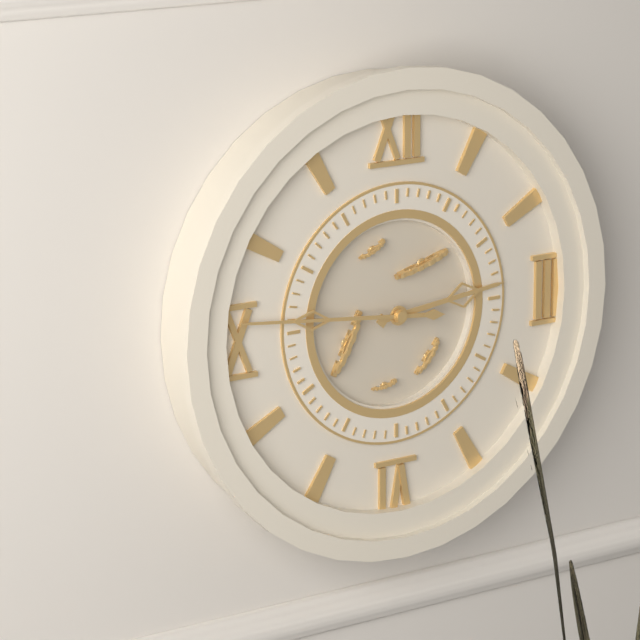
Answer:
2,46
